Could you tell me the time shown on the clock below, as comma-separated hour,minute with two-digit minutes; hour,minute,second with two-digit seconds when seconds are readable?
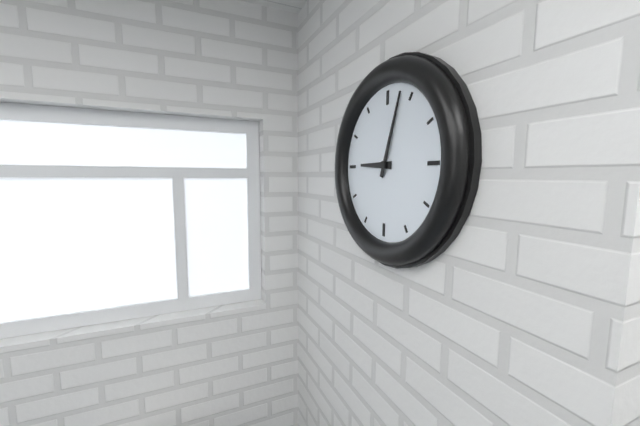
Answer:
9,03
